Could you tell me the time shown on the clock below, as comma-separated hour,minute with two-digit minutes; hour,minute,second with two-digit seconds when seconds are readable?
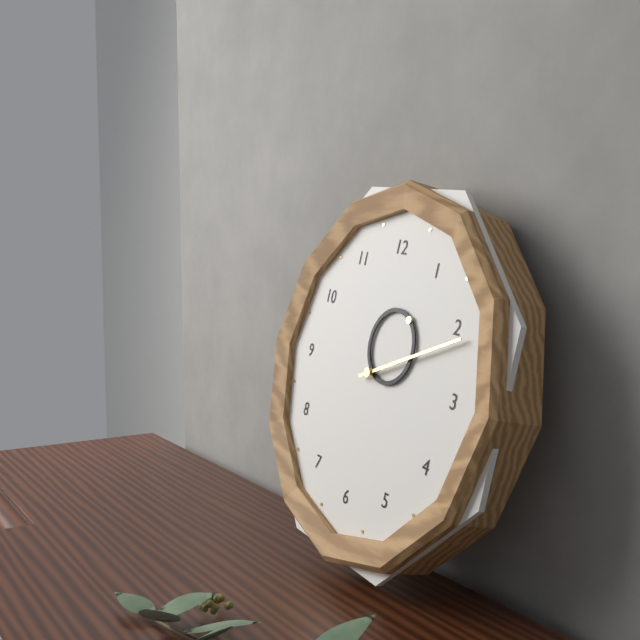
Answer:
1,11
